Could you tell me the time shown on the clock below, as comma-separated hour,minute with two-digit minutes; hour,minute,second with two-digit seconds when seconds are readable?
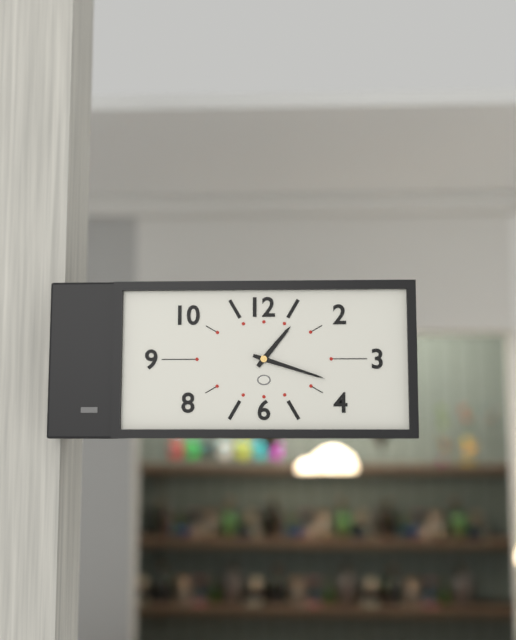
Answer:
1,18
